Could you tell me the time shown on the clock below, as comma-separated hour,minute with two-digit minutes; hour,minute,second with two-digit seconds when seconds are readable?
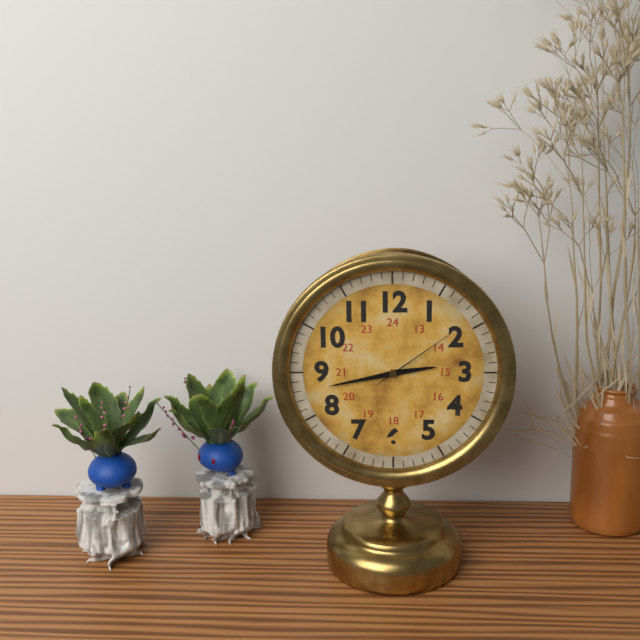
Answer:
2,43,09
